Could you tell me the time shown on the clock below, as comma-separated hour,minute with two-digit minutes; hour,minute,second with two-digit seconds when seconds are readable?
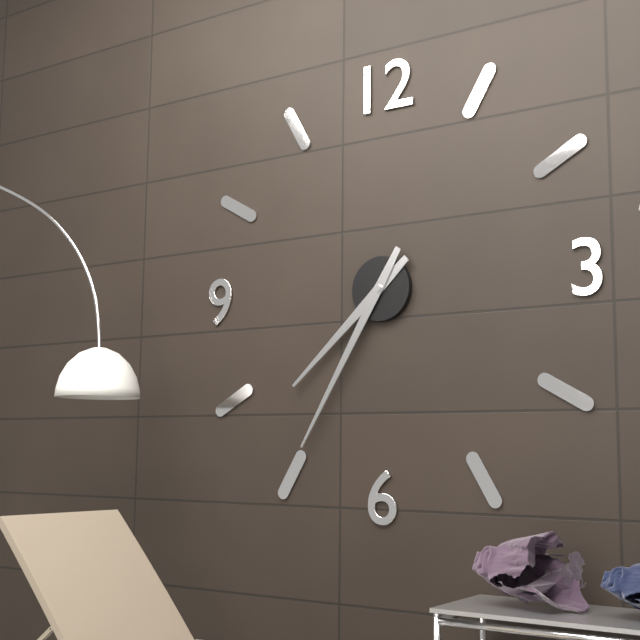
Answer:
7,35
